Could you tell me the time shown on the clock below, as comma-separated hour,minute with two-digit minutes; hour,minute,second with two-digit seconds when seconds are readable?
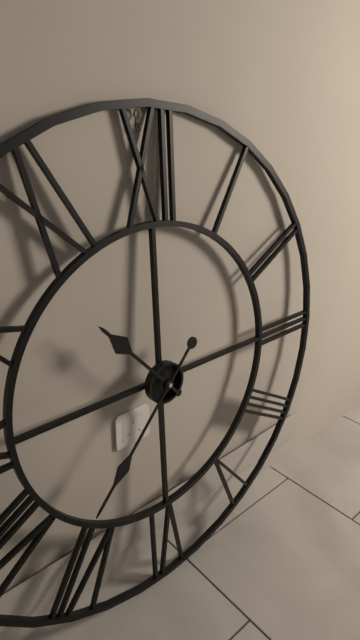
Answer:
10,37
